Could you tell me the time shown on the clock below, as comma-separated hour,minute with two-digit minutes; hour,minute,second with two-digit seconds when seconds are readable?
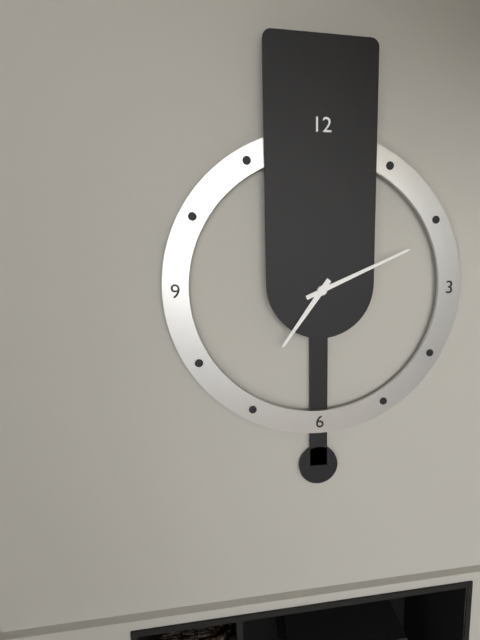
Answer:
7,11
